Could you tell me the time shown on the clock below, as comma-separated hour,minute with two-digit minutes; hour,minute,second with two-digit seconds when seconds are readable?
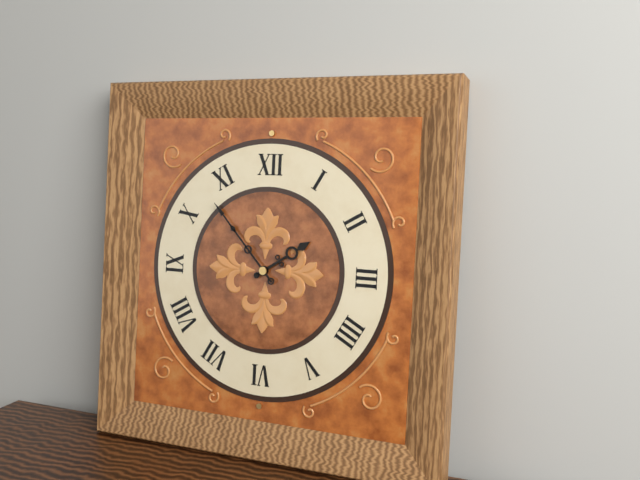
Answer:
1,53
